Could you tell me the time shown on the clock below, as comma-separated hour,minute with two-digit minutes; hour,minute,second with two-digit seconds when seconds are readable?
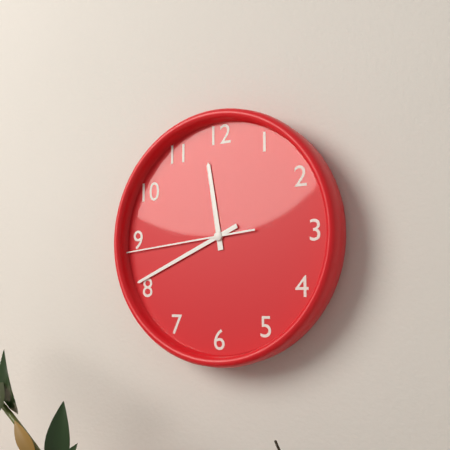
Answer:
11,41,44
